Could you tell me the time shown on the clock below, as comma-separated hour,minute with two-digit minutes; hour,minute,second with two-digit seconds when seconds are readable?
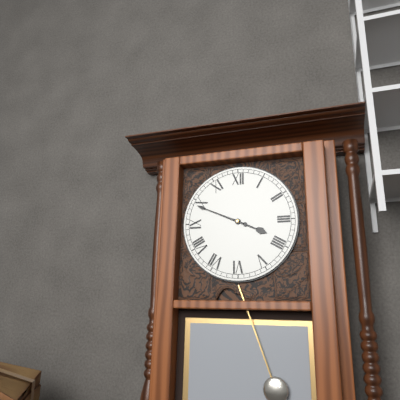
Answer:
3,49
